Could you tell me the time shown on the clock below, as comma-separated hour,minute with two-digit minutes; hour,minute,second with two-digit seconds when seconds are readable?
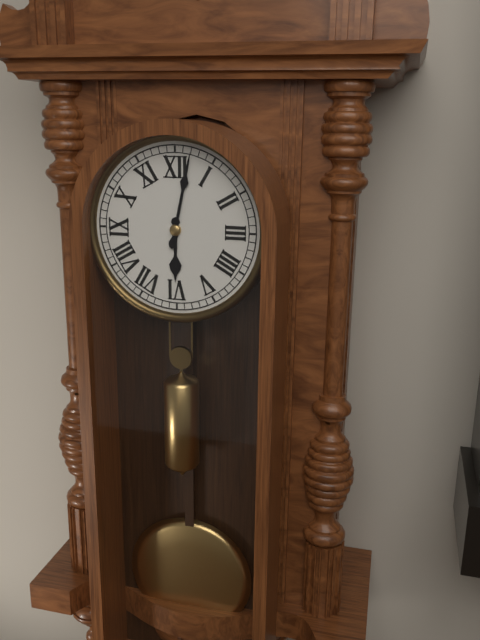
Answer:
6,02
